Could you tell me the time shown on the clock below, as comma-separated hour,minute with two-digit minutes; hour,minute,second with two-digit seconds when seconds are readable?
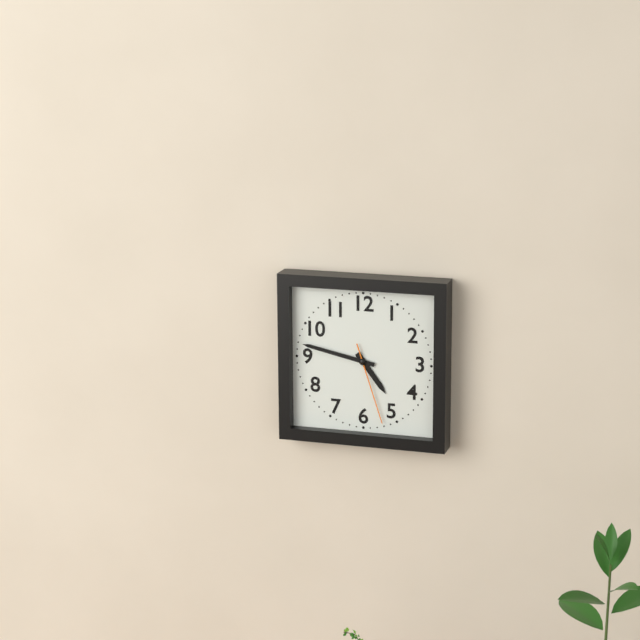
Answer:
4,47,27
